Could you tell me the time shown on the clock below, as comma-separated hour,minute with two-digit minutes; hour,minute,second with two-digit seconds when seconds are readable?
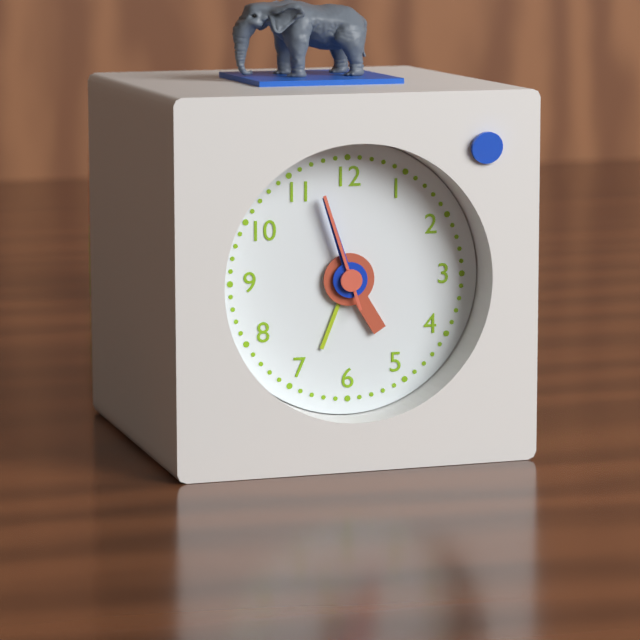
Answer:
4,57,57
